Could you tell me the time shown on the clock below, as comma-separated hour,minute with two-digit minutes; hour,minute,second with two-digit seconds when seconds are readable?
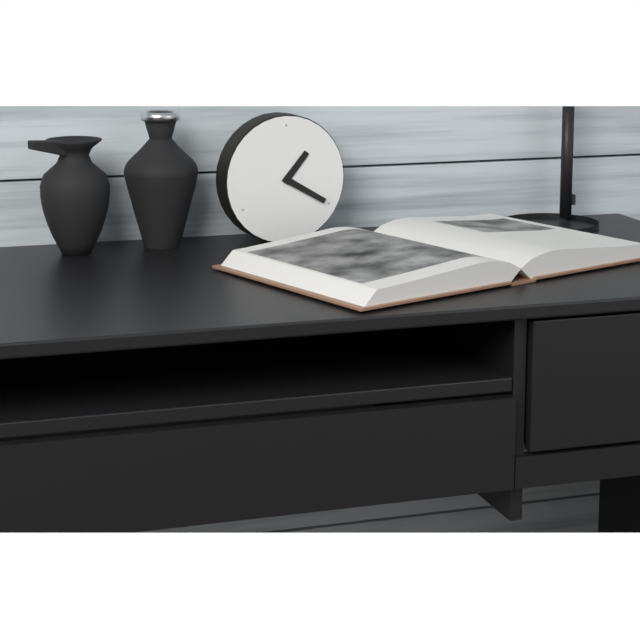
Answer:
1,20
